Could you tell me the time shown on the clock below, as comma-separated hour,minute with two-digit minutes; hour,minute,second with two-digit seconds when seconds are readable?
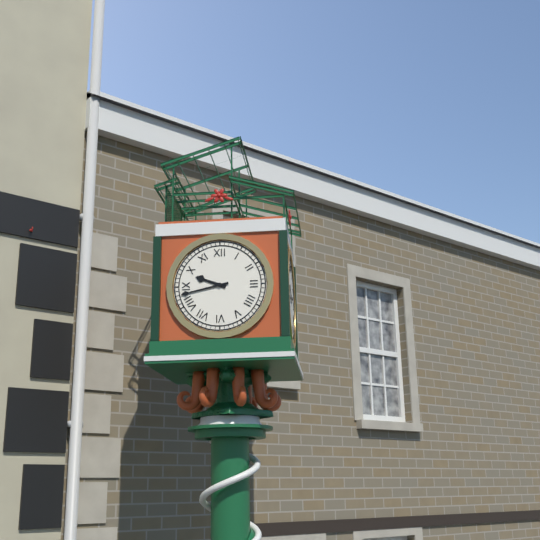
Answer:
9,43
